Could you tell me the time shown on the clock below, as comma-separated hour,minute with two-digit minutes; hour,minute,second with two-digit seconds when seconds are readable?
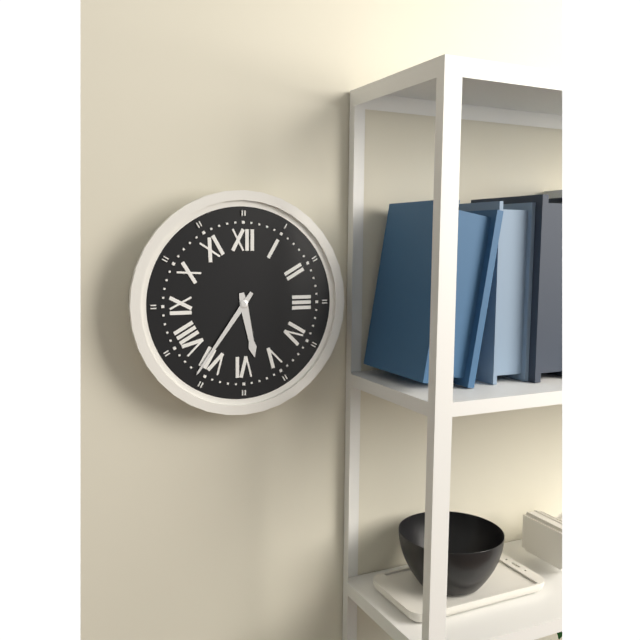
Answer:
5,36
